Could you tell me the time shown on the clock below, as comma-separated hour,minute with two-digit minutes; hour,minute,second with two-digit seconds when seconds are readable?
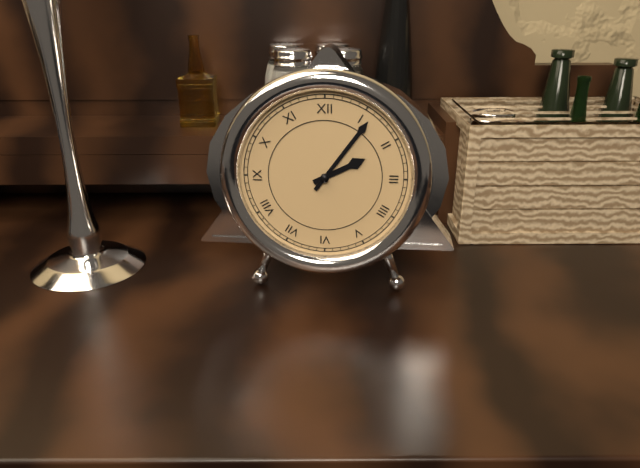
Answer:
2,06
